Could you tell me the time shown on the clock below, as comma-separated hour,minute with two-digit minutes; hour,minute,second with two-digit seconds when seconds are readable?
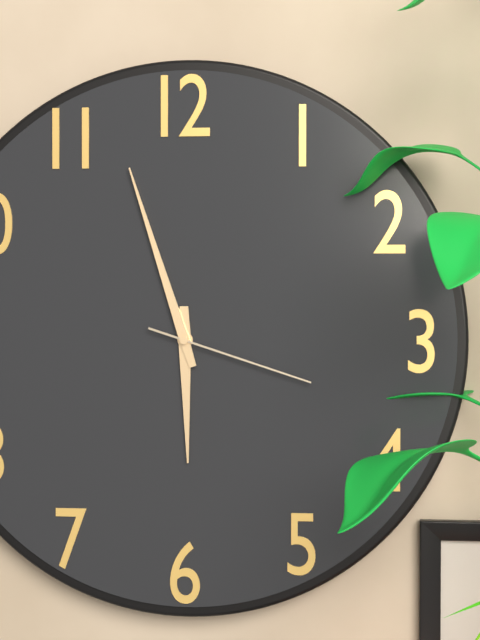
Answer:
5,57,18
